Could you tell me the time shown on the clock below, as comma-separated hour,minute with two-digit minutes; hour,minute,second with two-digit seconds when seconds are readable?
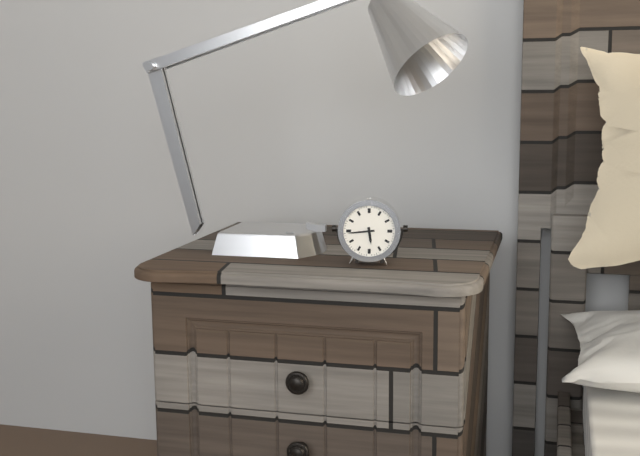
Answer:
5,44
